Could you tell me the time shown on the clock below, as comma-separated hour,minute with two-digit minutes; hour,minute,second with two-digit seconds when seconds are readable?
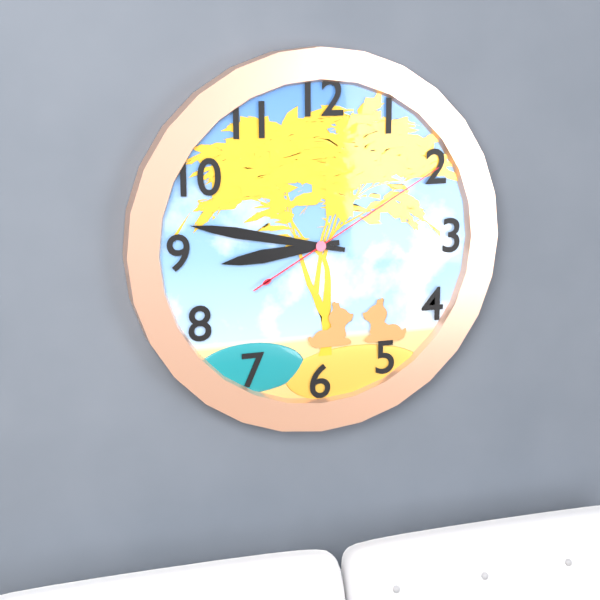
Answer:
8,47,10
